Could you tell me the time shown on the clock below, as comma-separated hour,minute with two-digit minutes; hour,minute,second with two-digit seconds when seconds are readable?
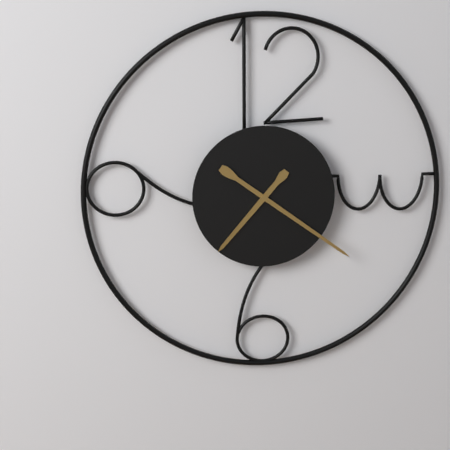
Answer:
7,21
